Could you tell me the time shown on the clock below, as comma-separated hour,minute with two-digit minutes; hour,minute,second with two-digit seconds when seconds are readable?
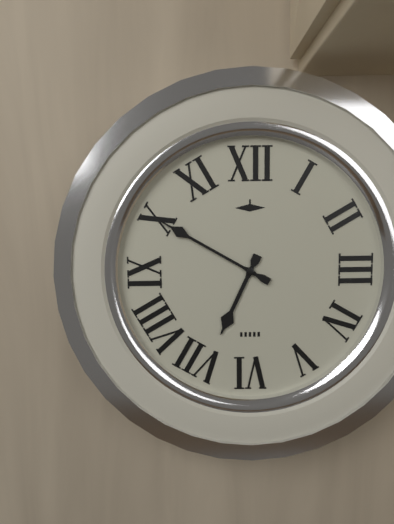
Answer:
6,50
